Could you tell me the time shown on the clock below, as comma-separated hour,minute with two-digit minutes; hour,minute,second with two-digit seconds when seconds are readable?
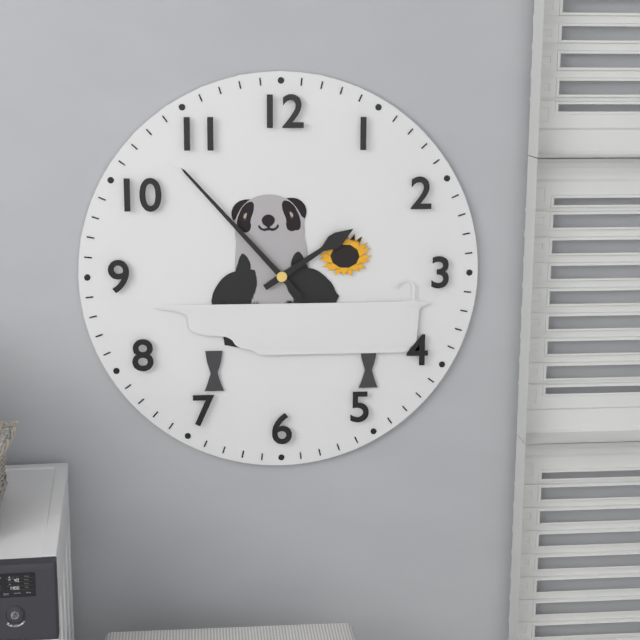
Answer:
1,53
